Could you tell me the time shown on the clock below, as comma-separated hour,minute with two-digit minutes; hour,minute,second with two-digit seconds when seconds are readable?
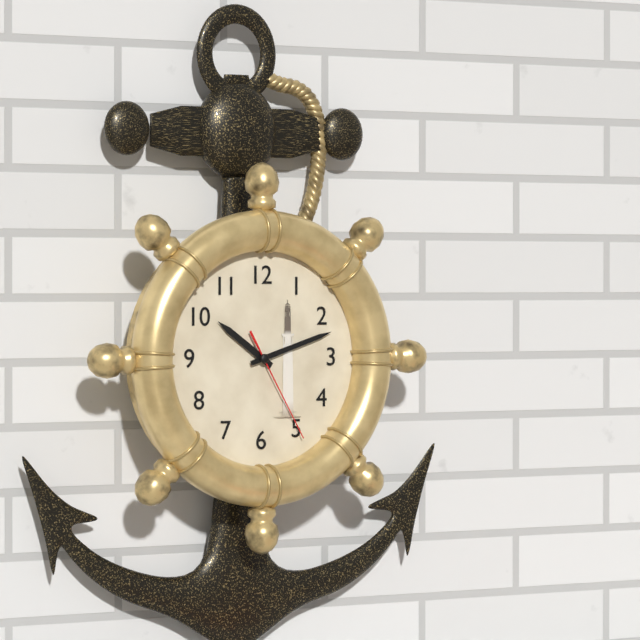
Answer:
10,12,25
